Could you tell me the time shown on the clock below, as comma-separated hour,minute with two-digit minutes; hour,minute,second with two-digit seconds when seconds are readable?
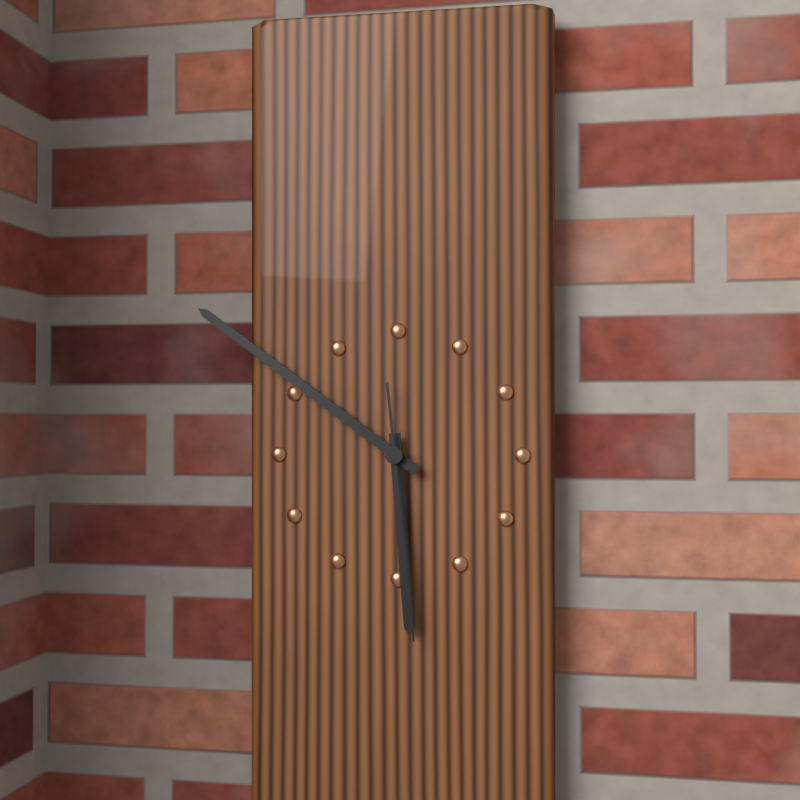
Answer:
5,51,29
